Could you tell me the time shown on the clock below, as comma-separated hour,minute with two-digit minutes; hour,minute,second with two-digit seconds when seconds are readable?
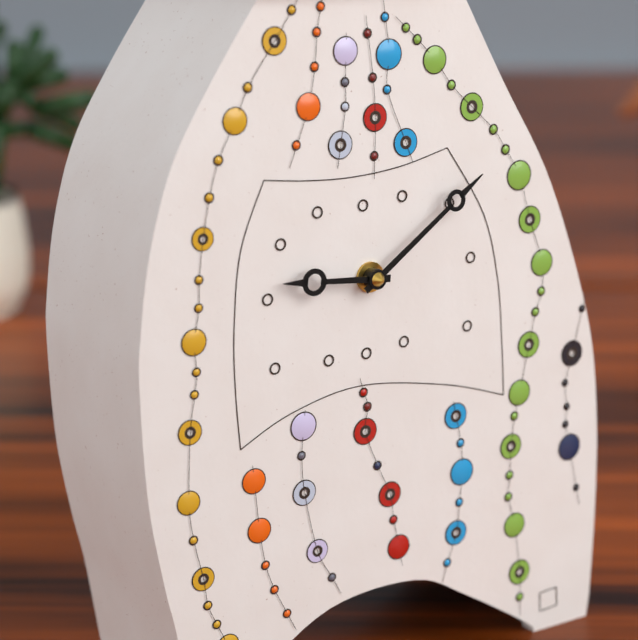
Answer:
9,09
